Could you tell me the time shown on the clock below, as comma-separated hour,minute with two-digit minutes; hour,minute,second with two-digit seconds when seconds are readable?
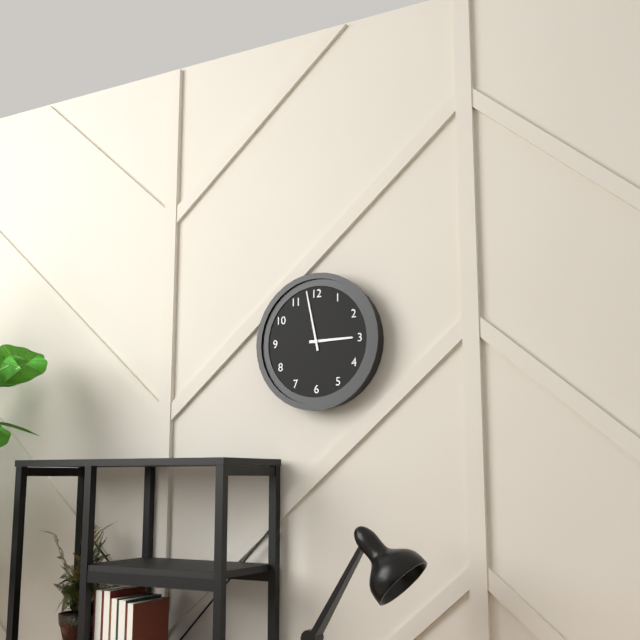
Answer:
2,58
